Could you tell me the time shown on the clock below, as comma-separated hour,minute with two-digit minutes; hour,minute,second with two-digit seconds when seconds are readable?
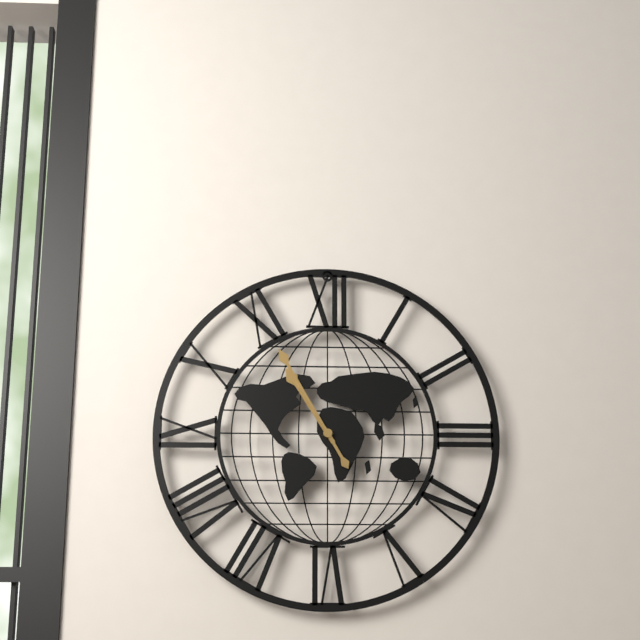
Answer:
10,55
